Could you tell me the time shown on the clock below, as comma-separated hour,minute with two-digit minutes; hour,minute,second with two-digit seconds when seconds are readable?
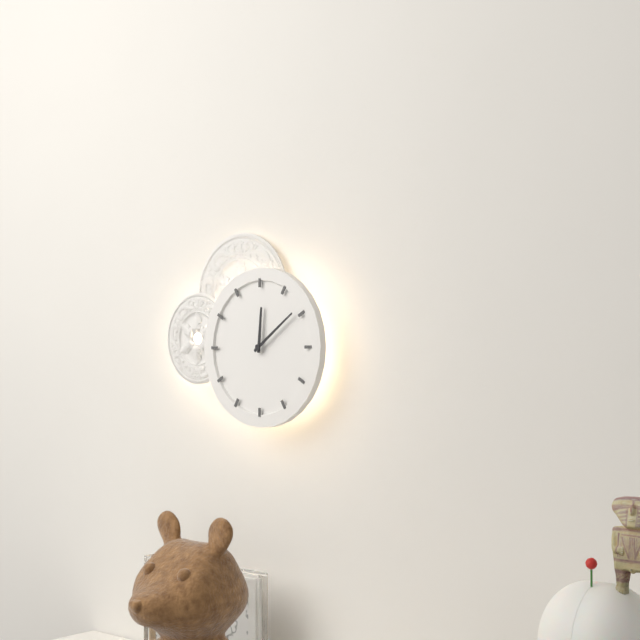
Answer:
12,09
